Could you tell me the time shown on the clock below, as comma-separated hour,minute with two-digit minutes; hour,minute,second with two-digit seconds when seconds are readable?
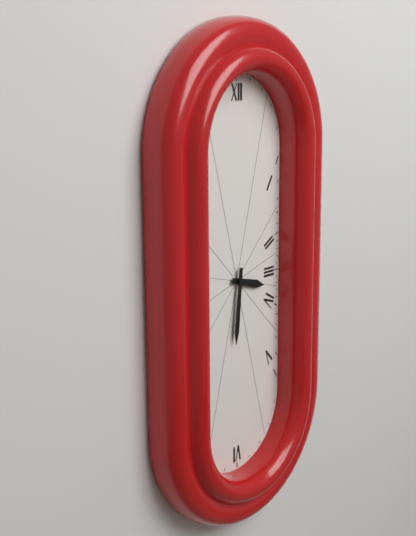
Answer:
3,31
